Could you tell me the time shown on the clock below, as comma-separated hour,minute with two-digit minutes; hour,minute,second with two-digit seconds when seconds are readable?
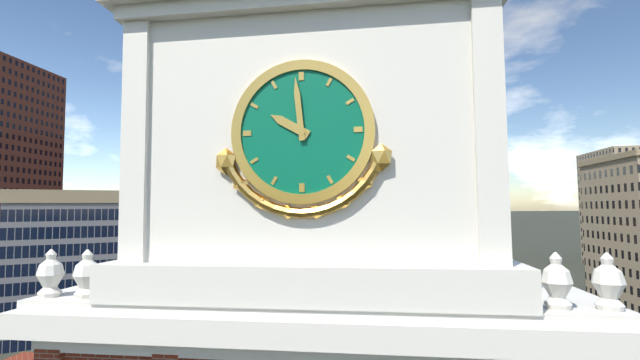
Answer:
9,59
